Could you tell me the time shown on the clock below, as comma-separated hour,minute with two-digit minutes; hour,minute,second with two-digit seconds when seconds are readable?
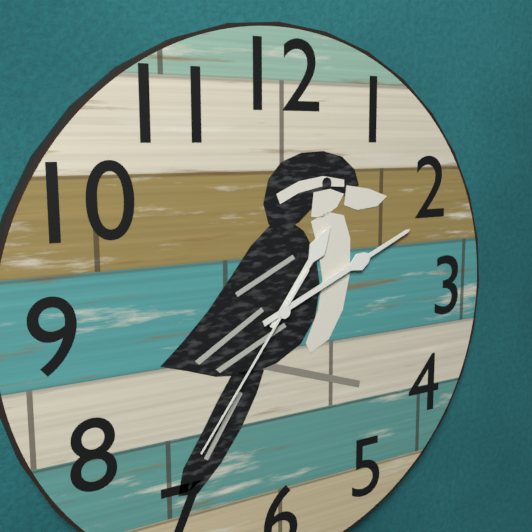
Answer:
1,11,36
